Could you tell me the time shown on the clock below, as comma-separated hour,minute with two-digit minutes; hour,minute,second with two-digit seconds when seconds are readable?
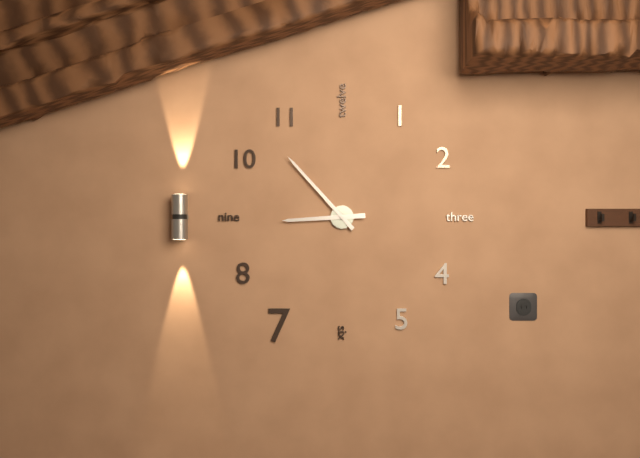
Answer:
8,53
